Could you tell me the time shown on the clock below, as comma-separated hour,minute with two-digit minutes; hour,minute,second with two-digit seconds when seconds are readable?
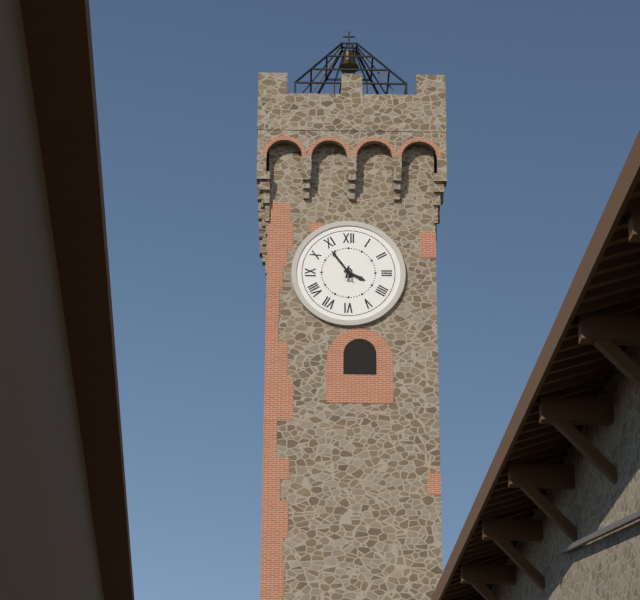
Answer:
3,54
